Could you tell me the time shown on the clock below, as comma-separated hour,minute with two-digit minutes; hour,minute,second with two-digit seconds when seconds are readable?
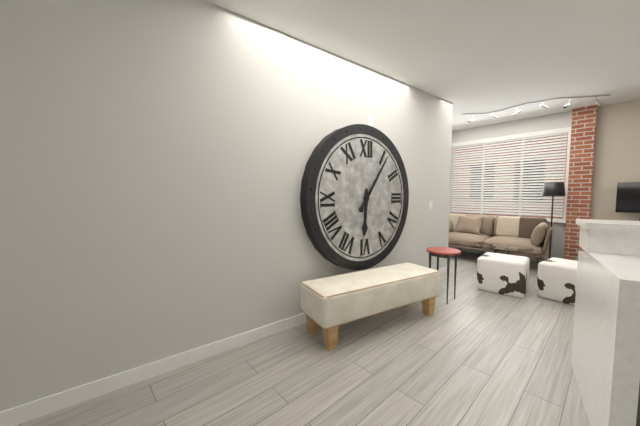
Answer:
6,06
